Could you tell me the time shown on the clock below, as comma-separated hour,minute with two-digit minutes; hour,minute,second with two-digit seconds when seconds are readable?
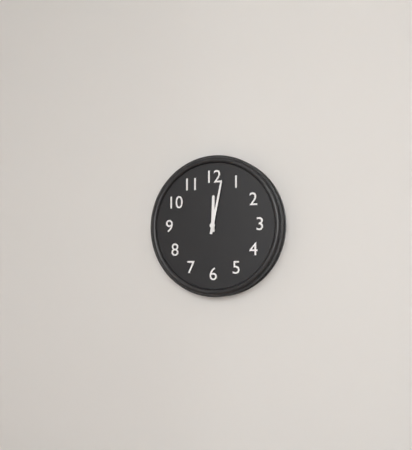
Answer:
12,02
